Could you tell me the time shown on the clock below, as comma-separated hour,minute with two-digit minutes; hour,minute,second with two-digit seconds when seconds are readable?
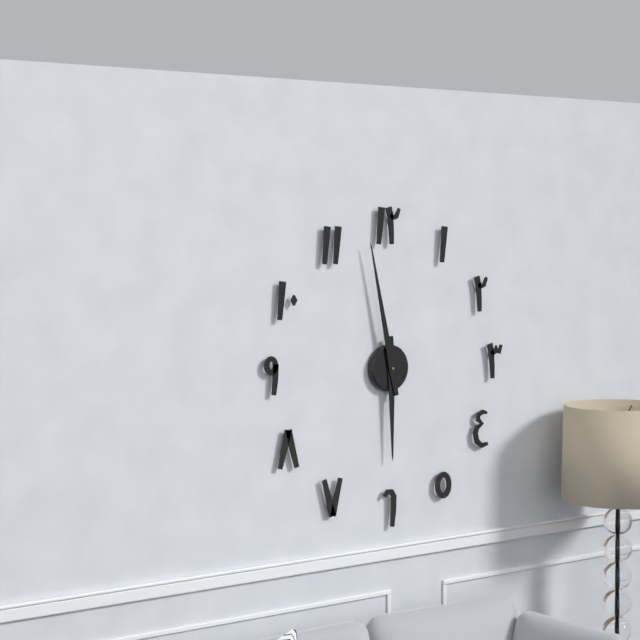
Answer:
5,58
